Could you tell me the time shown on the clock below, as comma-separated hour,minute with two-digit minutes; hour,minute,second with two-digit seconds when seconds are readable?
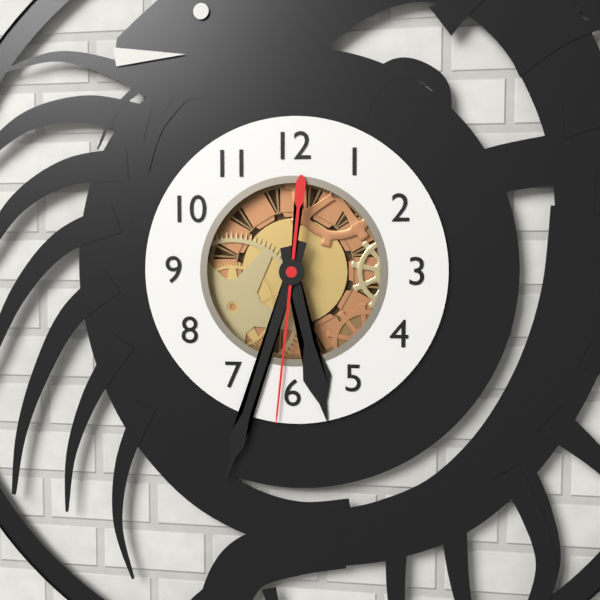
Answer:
5,33,31
